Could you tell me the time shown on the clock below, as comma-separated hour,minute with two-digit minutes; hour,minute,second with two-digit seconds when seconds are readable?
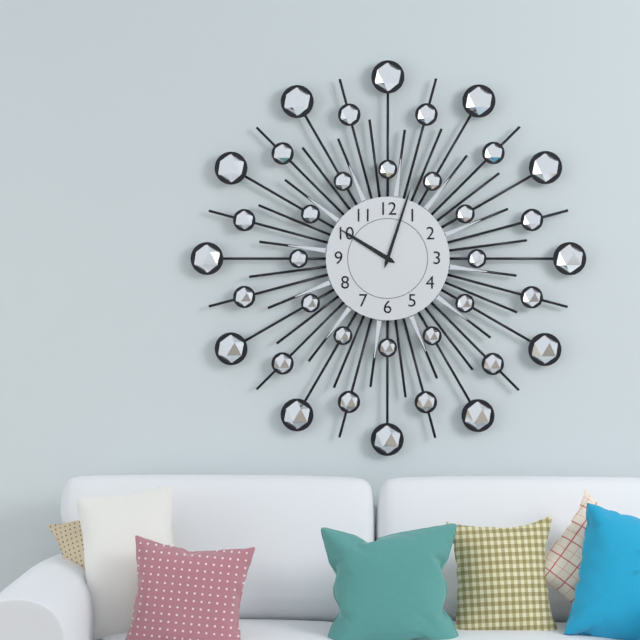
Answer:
10,03
